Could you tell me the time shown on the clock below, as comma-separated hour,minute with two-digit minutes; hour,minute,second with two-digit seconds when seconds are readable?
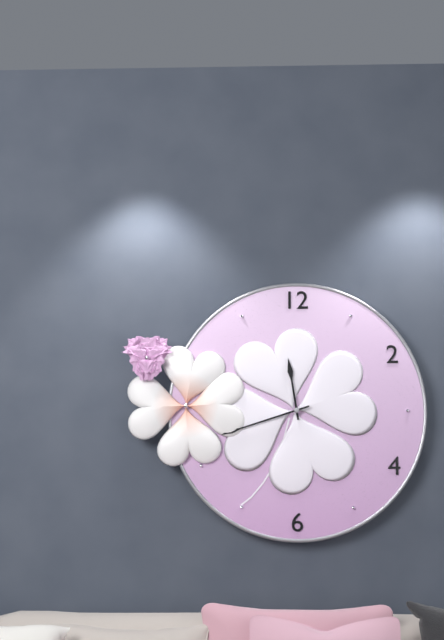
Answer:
11,42
